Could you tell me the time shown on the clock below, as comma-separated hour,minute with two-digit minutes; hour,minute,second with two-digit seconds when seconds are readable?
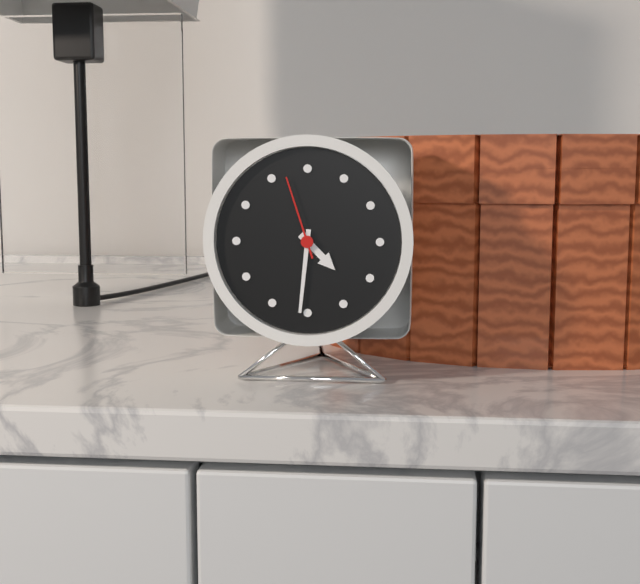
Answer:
4,31,57
